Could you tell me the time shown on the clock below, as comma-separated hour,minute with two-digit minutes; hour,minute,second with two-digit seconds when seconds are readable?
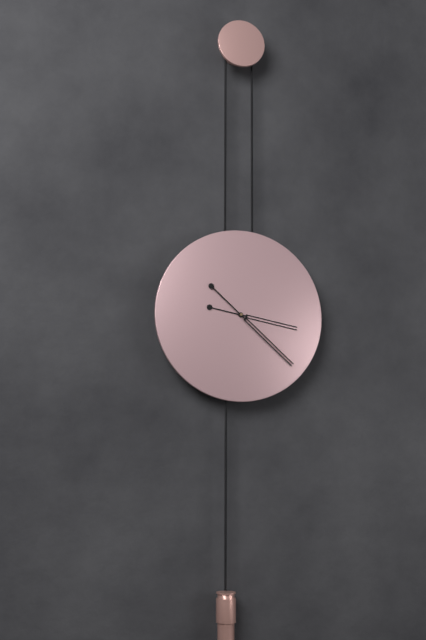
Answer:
3,22
